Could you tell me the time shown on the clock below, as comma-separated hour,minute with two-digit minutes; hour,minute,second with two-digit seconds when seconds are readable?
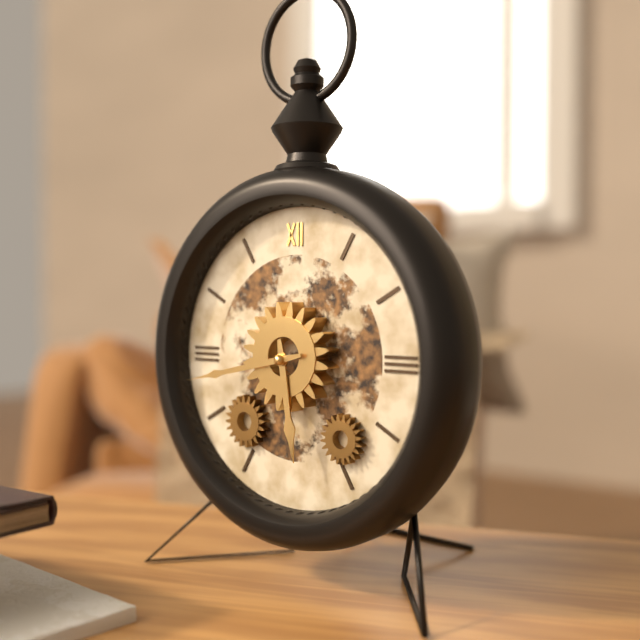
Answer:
5,43
